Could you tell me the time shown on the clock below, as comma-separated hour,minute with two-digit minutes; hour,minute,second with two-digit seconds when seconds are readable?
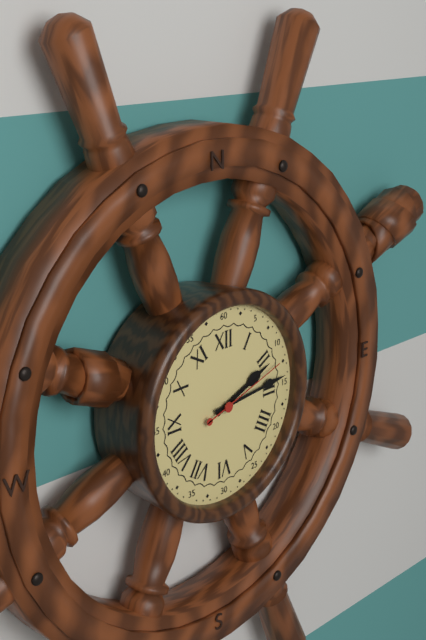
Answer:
2,14,12
